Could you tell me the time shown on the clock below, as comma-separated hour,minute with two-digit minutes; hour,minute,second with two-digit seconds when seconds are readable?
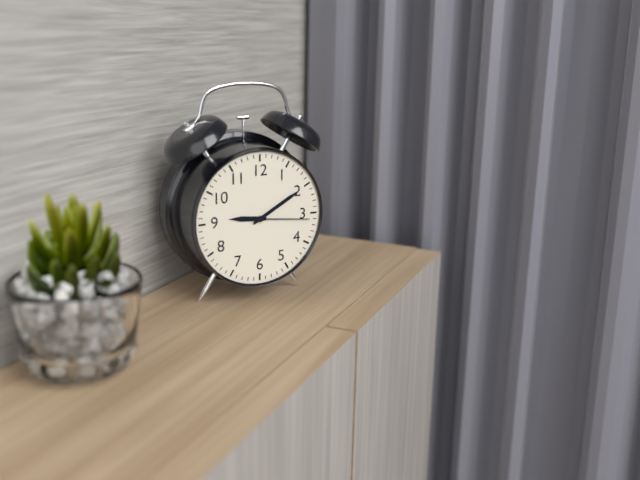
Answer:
9,10,16
